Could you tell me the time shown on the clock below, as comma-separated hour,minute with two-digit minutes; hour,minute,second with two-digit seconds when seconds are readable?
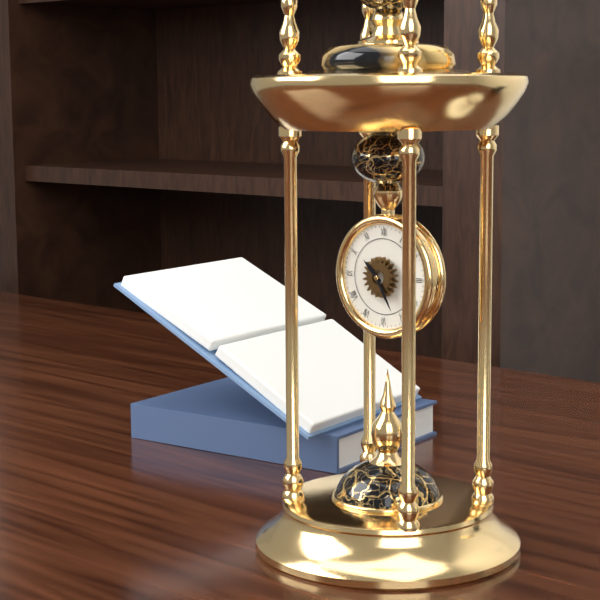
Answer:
10,25
